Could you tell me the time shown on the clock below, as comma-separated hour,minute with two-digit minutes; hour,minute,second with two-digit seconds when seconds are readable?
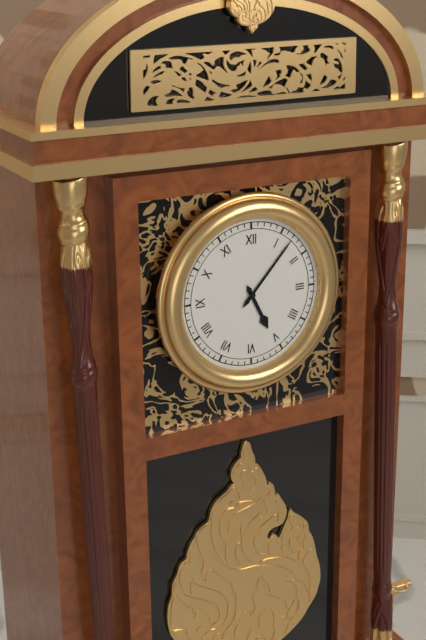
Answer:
5,07
